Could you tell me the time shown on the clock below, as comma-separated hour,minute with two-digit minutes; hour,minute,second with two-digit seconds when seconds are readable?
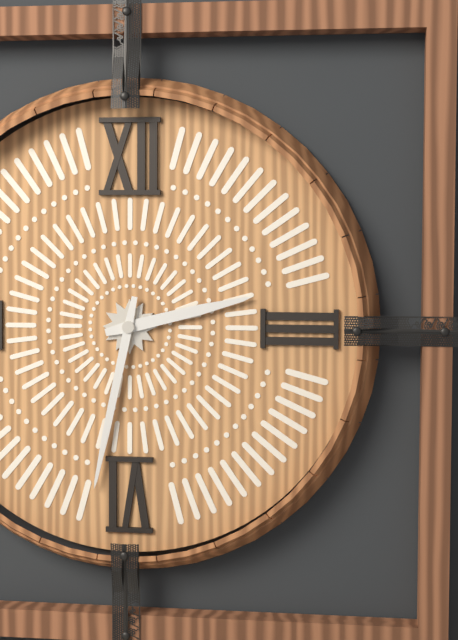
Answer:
2,32
